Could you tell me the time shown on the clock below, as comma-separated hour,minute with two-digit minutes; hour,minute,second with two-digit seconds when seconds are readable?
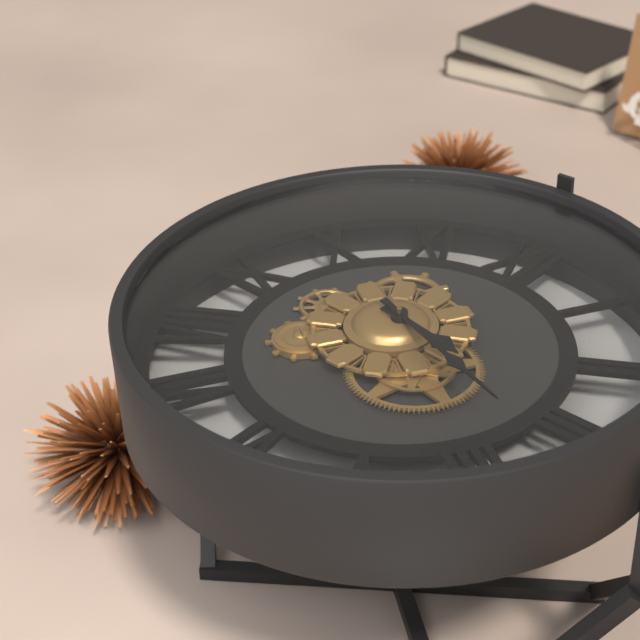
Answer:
3,18
